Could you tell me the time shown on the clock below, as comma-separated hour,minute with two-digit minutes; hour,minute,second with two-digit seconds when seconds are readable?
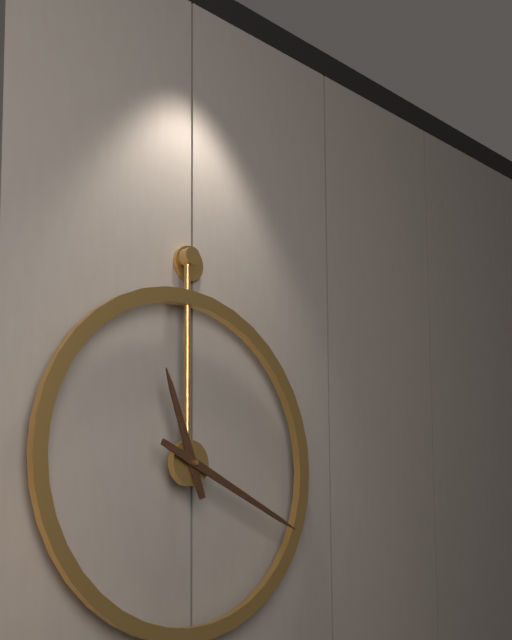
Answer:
11,19
